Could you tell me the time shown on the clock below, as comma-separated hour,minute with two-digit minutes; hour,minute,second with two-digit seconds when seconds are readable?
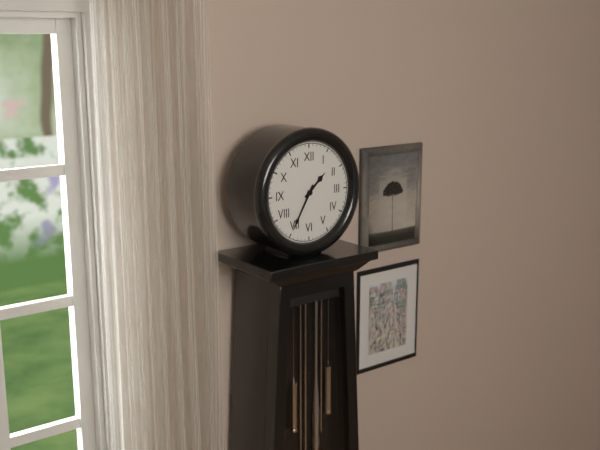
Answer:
1,35
